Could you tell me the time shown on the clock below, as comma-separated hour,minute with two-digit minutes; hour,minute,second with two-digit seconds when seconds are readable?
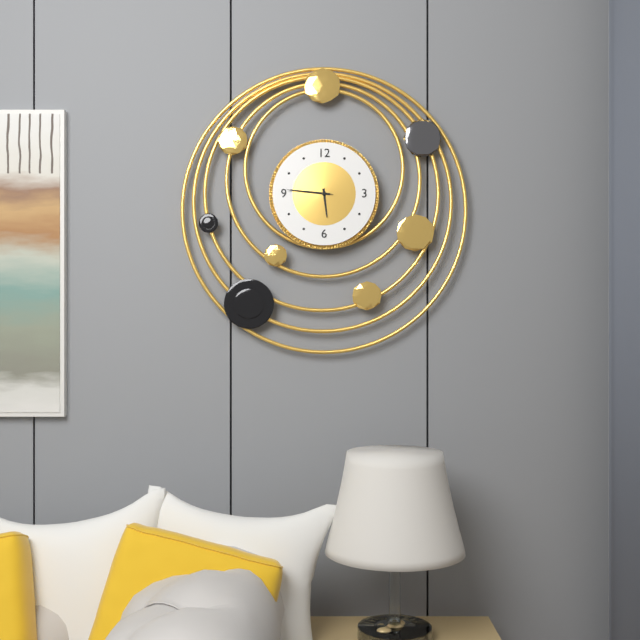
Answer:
5,46
